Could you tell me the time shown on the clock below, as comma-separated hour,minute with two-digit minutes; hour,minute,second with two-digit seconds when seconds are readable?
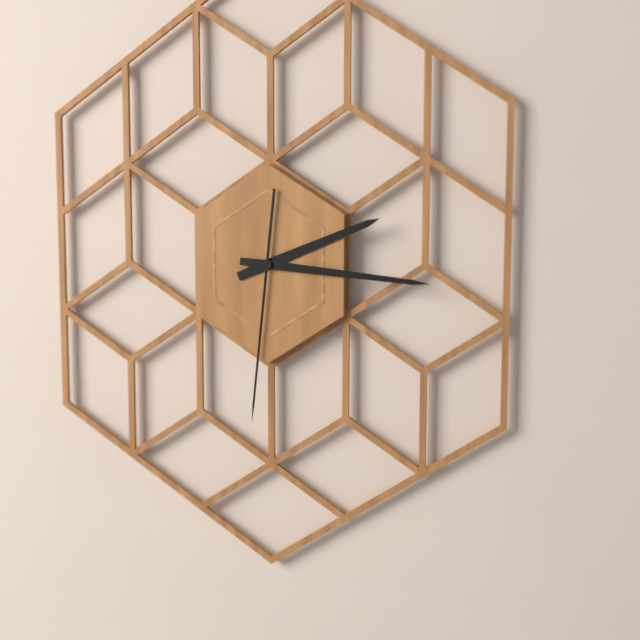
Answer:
2,16,31
